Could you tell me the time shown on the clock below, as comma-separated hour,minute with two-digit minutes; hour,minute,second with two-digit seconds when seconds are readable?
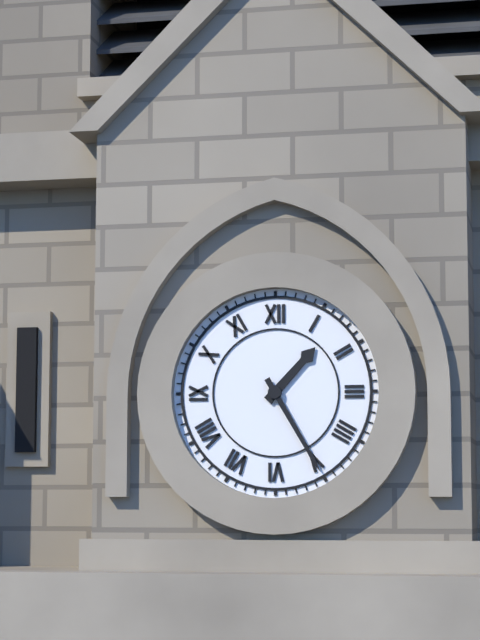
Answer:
1,25
